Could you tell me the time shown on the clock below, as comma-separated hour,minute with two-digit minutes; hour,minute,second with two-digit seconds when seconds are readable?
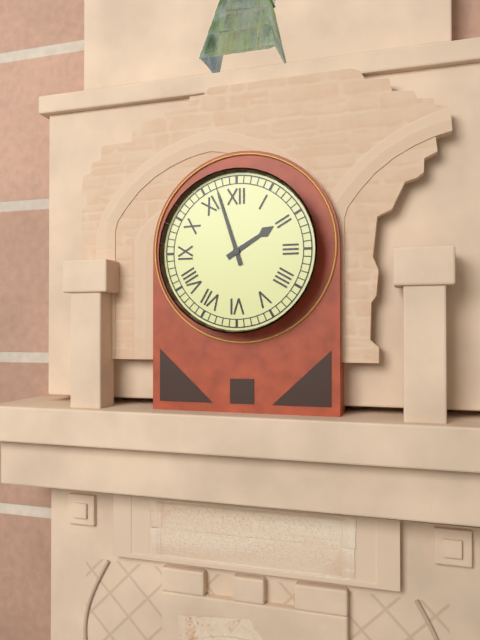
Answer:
1,57
